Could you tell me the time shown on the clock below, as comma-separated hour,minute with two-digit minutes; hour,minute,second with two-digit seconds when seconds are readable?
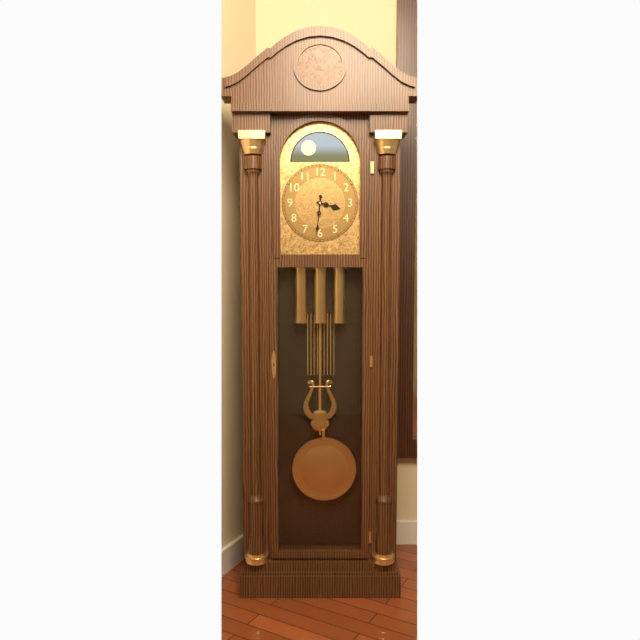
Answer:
3,31
